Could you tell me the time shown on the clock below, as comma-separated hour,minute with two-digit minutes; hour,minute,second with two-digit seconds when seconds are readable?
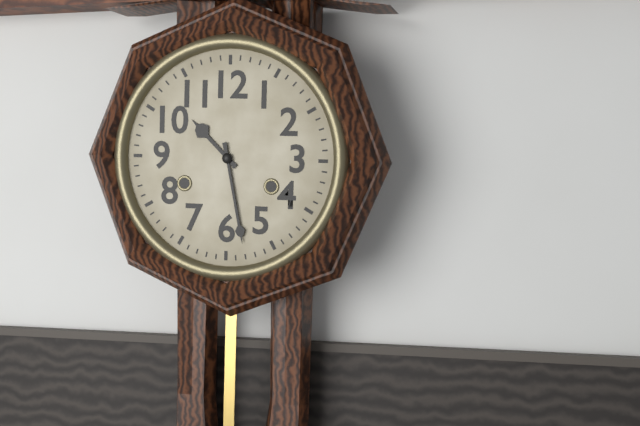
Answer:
10,28
